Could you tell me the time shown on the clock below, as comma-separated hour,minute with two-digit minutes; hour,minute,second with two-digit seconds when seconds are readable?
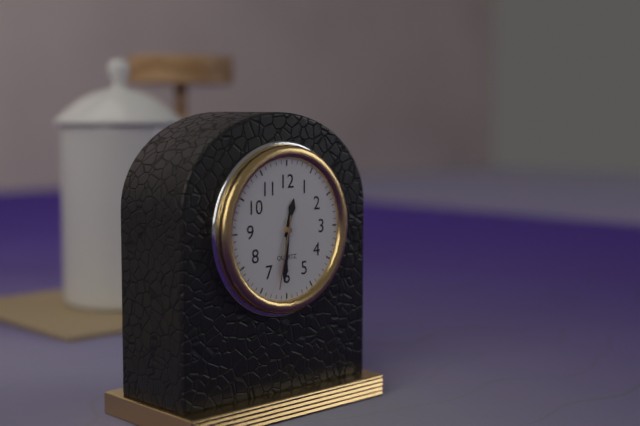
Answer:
12,31,32
